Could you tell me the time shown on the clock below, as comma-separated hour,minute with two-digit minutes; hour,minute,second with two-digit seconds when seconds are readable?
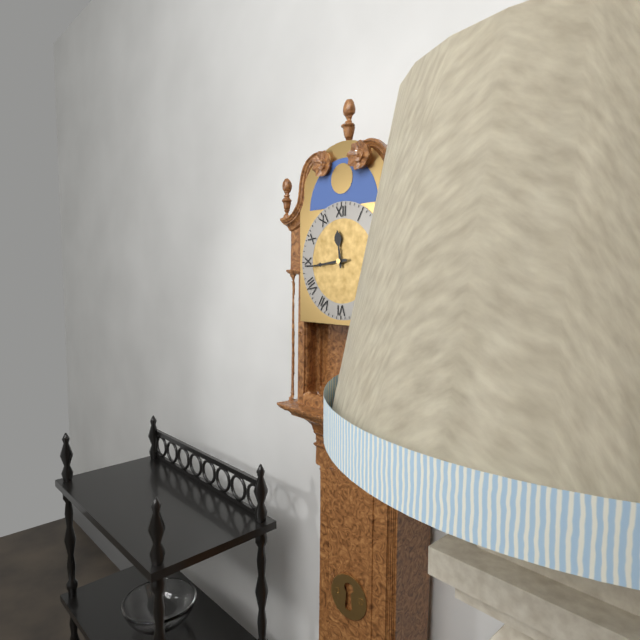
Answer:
11,44
